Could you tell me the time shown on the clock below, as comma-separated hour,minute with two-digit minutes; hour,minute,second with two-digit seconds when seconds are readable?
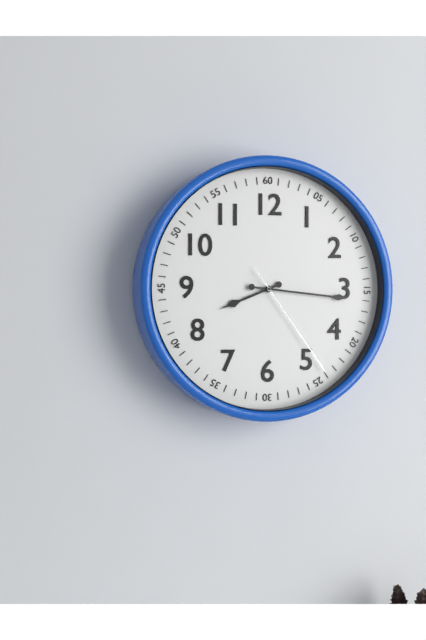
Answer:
8,16,24
